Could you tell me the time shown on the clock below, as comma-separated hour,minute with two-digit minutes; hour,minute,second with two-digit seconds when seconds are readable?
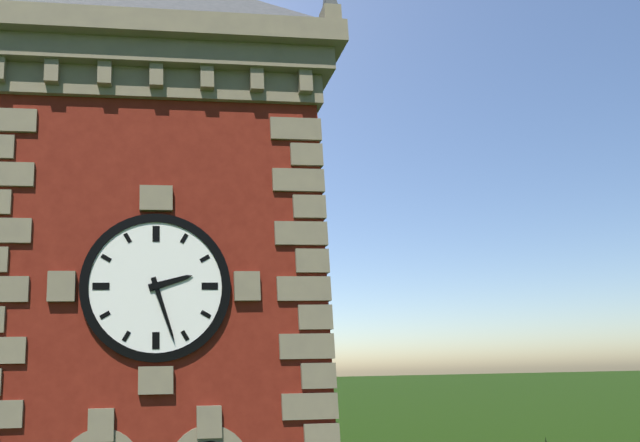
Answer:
2,27
